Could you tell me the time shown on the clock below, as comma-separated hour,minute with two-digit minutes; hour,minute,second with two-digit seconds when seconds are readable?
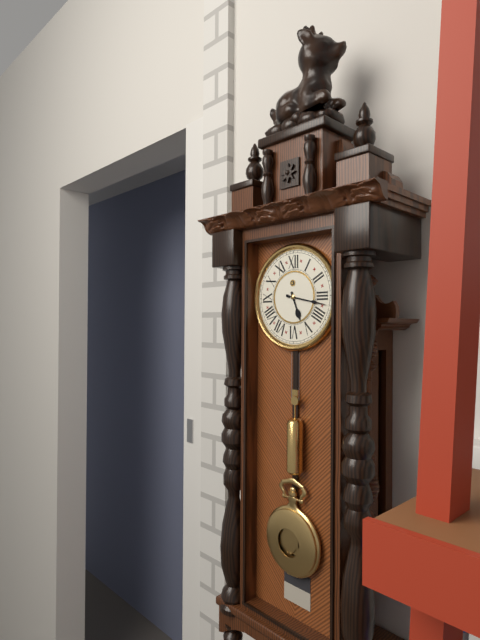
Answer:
5,17
